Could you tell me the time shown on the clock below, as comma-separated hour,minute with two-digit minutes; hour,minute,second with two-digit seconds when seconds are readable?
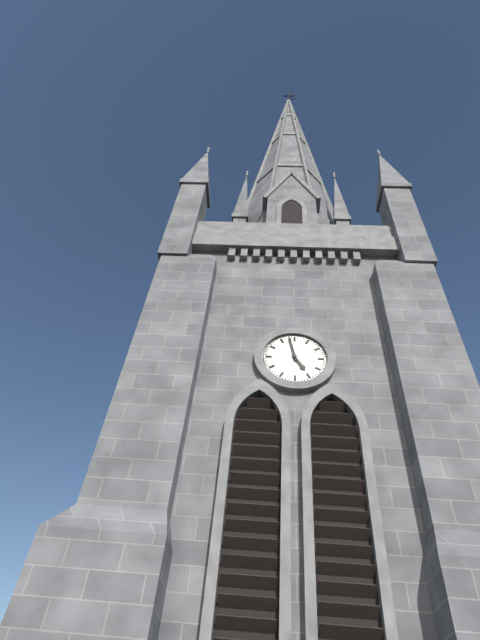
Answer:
4,58
